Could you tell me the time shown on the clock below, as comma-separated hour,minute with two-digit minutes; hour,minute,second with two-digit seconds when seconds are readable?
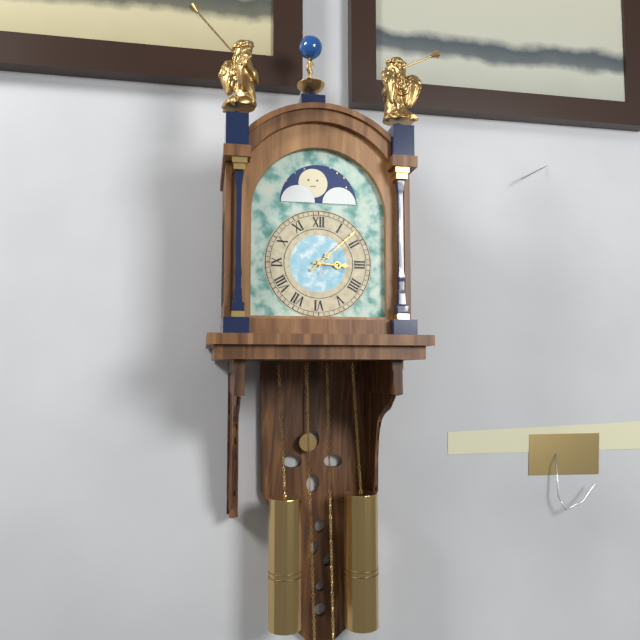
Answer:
3,08
